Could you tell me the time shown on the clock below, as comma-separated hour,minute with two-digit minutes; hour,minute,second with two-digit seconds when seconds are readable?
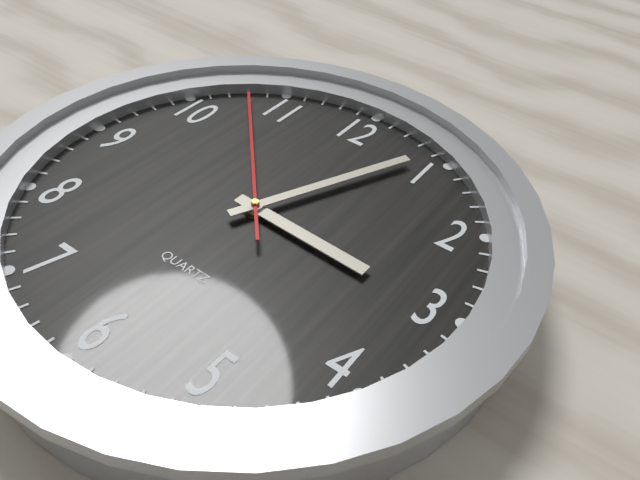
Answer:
3,04,53
